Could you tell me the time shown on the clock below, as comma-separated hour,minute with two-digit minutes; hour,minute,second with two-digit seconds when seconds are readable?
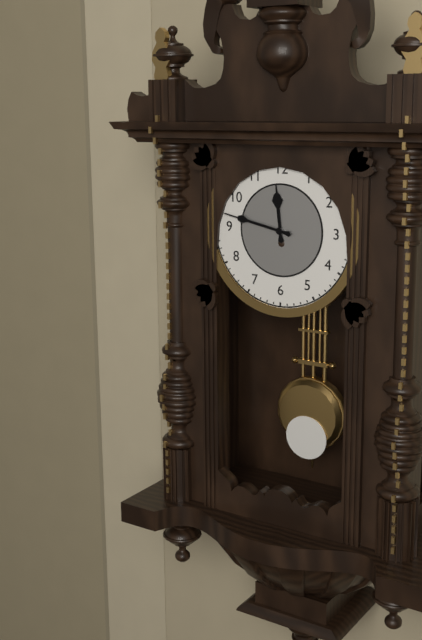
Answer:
11,47
